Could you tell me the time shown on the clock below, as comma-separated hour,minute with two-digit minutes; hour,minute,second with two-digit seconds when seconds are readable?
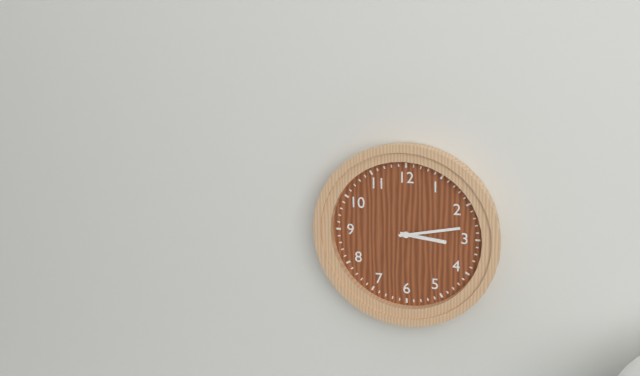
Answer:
3,13
